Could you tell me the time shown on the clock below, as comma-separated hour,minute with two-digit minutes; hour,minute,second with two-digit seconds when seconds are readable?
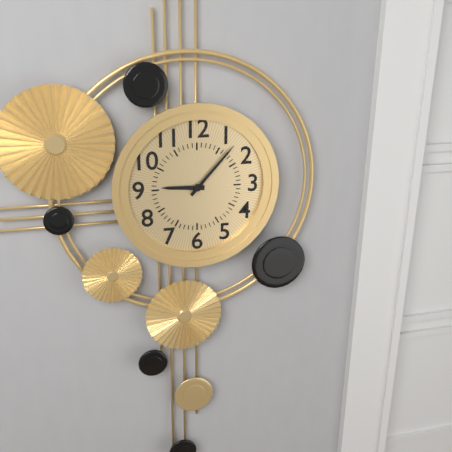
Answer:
9,07
